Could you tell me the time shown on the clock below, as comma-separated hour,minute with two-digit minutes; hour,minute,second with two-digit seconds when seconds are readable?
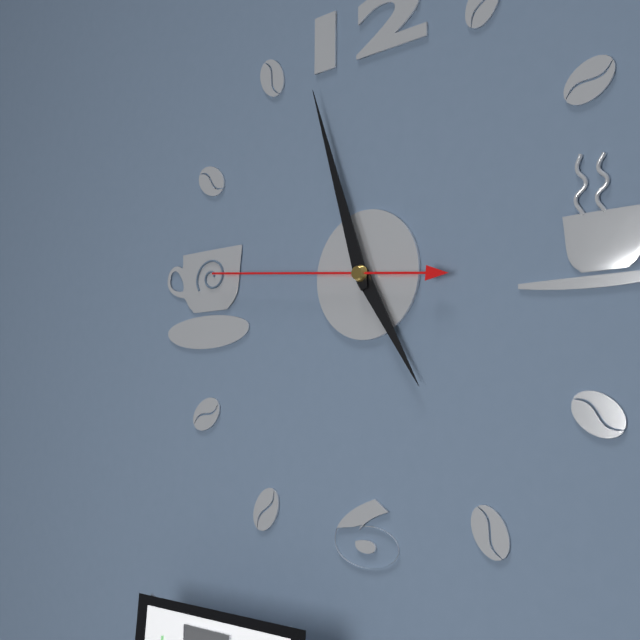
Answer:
4,57,46
